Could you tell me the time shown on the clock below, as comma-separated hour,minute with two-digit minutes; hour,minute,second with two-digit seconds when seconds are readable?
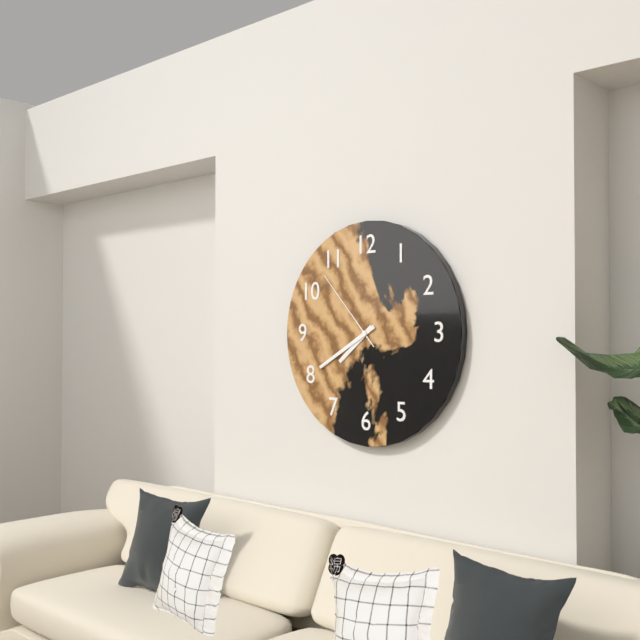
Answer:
7,40,53
